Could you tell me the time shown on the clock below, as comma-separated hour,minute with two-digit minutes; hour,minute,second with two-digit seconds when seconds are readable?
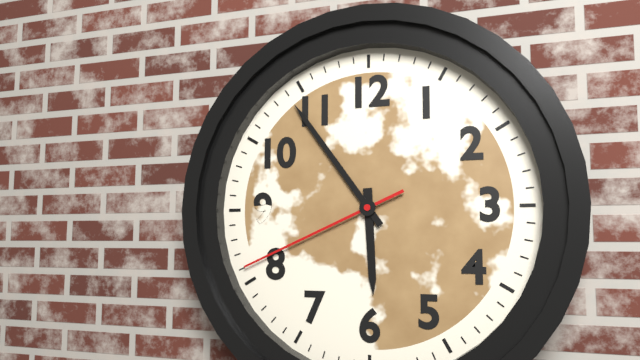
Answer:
5,54,41
